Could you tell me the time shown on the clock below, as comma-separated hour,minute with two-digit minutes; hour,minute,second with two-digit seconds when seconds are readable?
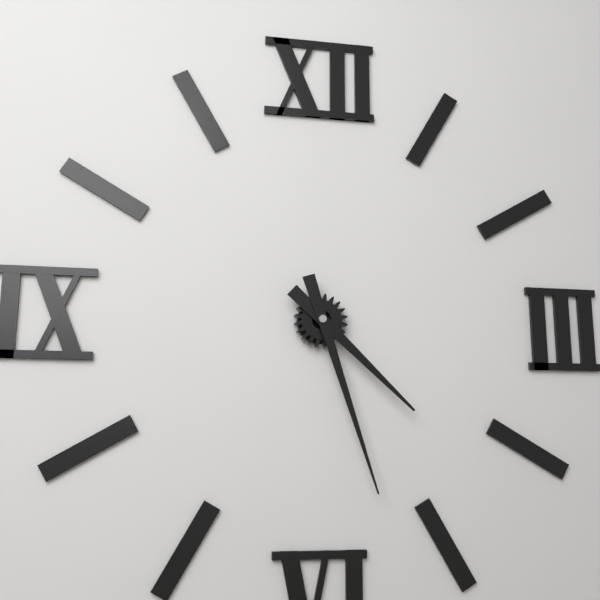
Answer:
4,27
